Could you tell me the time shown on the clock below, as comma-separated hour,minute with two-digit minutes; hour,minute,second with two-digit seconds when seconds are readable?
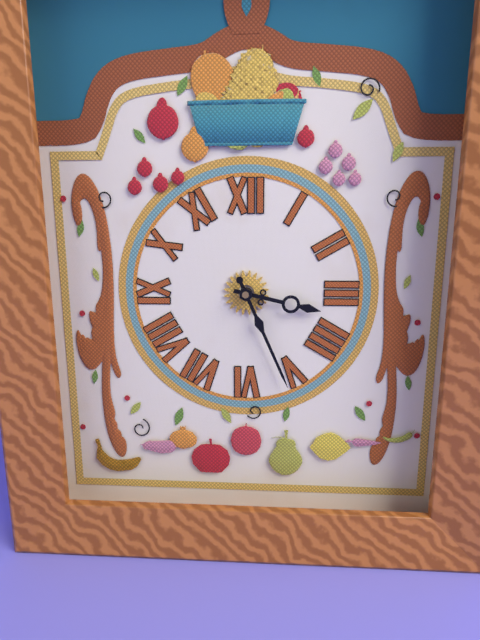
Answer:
3,26
